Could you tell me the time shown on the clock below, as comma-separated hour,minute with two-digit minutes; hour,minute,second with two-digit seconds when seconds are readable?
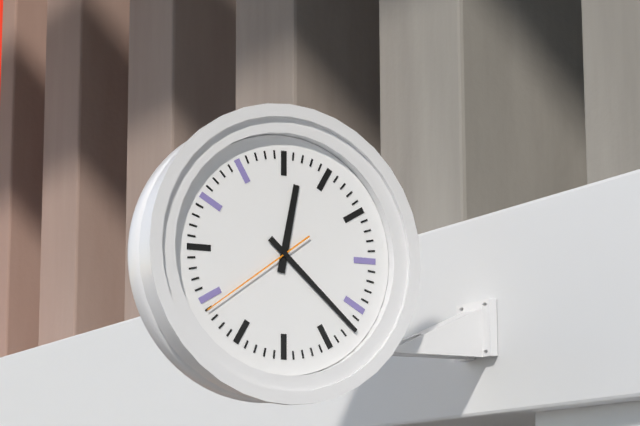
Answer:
12,22,39
